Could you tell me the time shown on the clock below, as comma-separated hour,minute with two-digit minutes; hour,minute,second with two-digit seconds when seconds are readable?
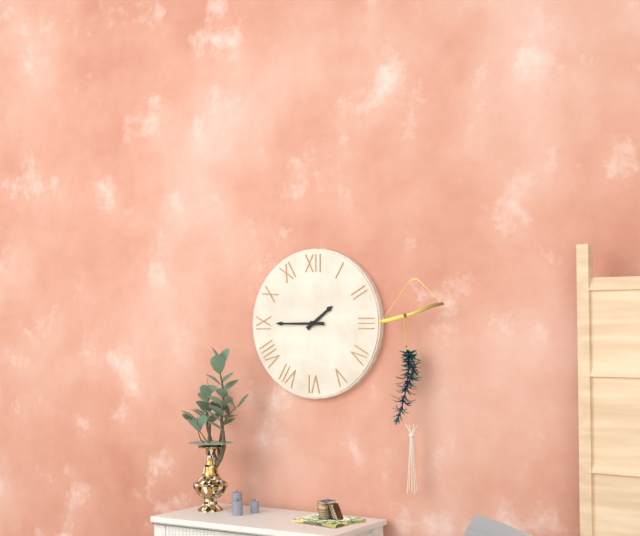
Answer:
1,45
